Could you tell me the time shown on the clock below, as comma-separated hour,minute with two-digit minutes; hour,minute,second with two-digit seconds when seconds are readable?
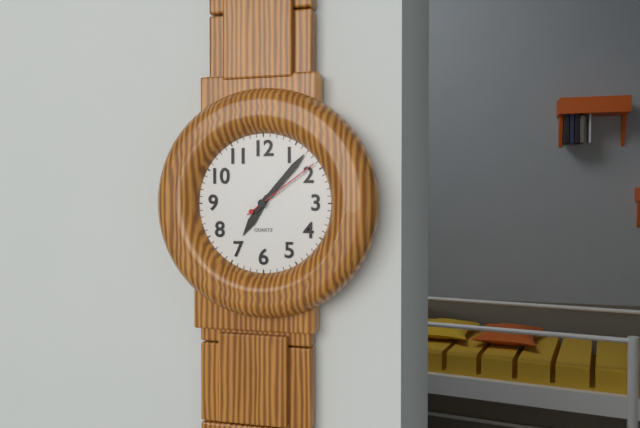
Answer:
7,07,09
